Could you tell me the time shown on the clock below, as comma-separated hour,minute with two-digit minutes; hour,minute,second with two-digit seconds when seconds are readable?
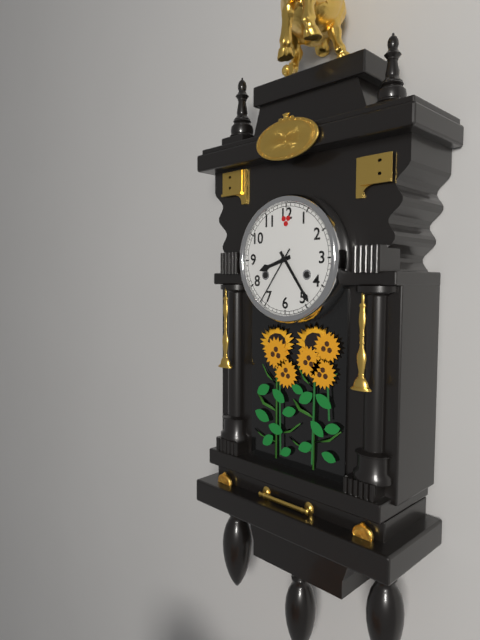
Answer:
8,24,36
